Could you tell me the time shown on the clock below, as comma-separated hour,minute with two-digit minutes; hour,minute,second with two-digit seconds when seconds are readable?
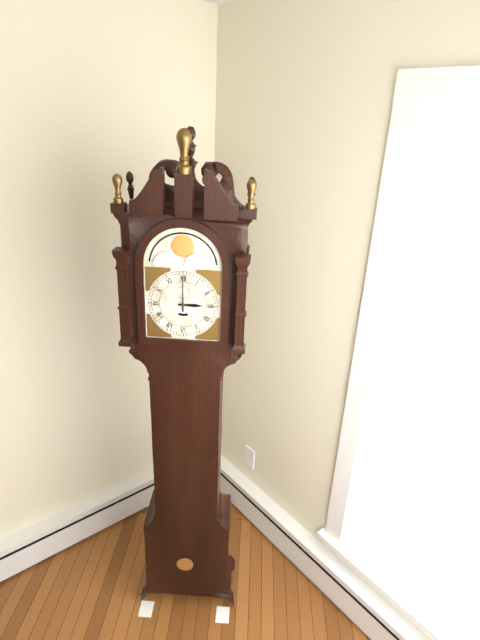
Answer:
3,00
